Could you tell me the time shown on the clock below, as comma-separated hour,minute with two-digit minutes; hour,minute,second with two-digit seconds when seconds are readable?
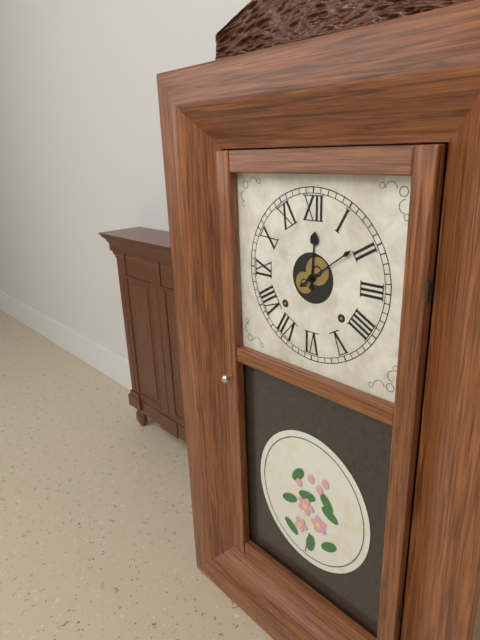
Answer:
12,09
